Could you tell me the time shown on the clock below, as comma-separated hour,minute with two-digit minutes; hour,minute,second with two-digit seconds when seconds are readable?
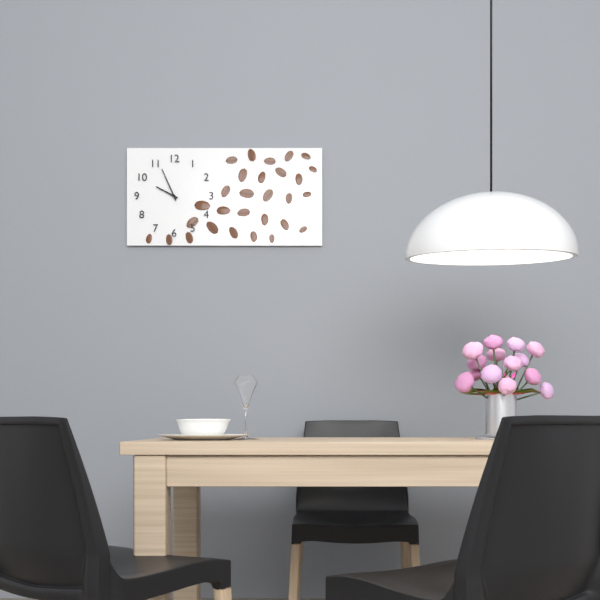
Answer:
9,56
